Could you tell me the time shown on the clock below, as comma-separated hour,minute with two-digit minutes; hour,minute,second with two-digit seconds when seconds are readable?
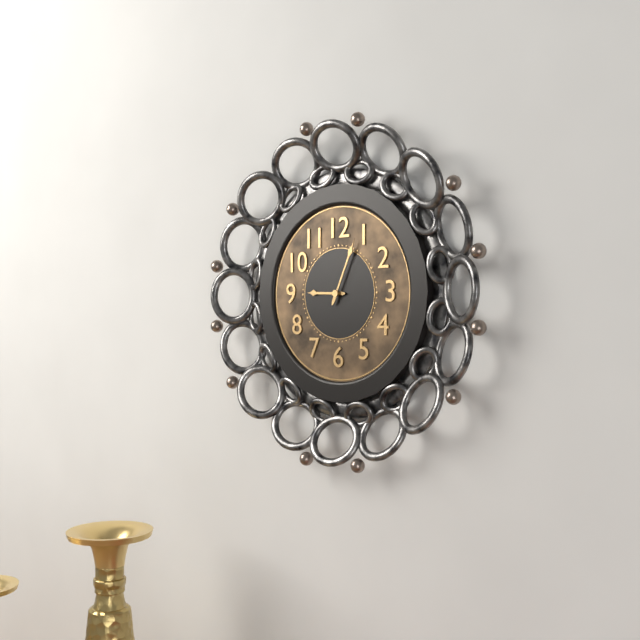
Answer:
9,04
